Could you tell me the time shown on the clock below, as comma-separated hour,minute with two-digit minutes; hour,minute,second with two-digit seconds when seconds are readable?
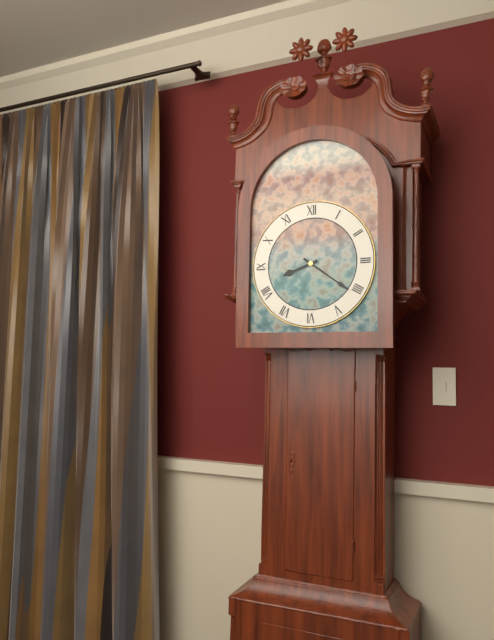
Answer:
8,21
